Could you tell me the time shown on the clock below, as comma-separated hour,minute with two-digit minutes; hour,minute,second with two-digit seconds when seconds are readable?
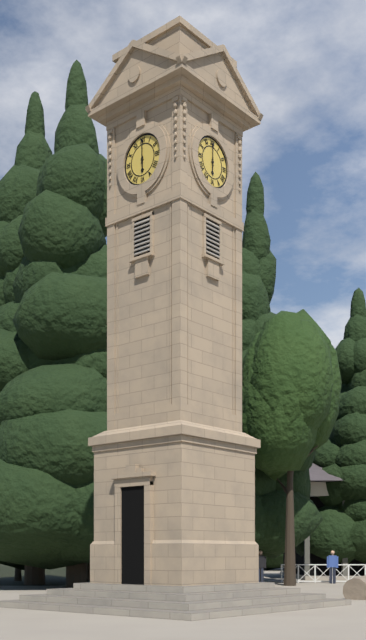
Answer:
6,00
